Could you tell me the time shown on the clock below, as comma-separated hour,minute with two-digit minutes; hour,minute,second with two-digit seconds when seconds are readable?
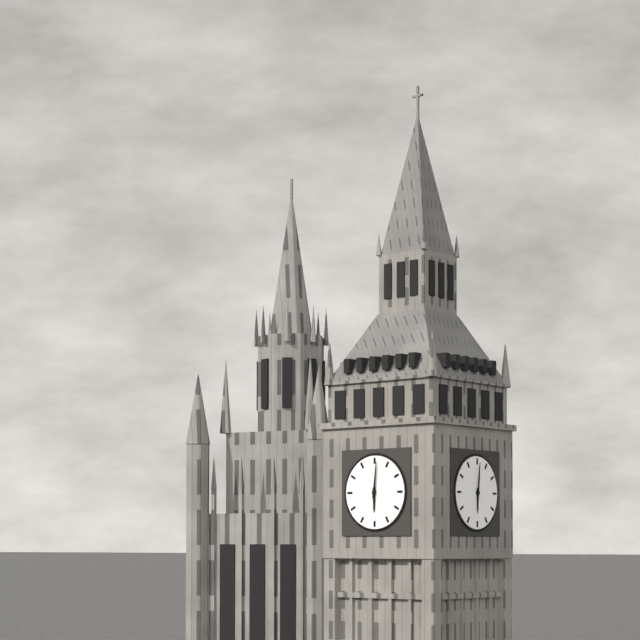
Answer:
6,01
